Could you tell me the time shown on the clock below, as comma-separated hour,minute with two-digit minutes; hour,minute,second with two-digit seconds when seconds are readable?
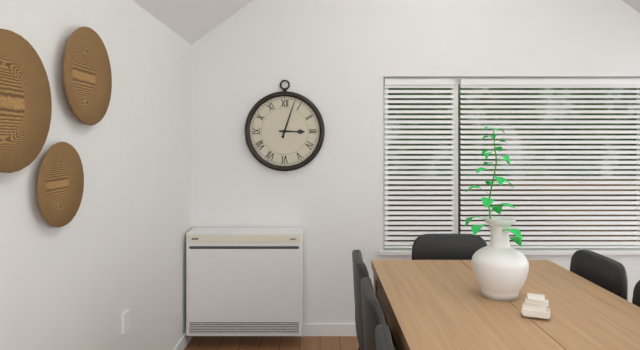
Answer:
3,03
